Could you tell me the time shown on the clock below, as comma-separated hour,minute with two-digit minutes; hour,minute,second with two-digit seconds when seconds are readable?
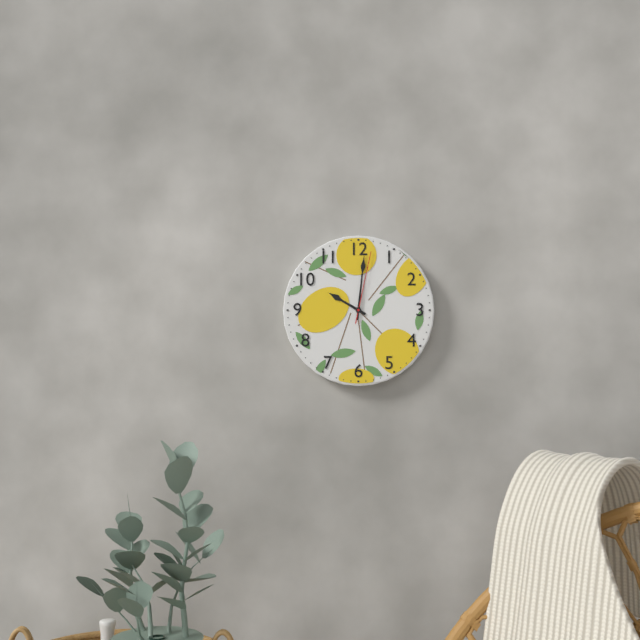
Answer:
10,01,02
